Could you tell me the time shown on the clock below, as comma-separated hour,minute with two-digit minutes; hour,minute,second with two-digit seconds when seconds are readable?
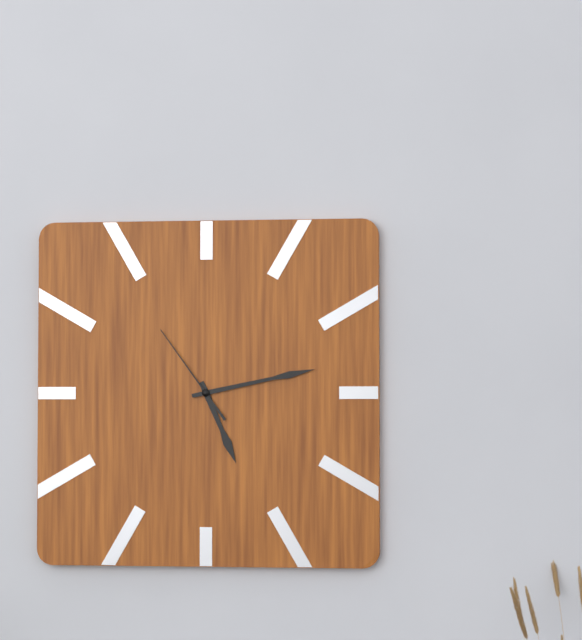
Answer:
5,13,54
